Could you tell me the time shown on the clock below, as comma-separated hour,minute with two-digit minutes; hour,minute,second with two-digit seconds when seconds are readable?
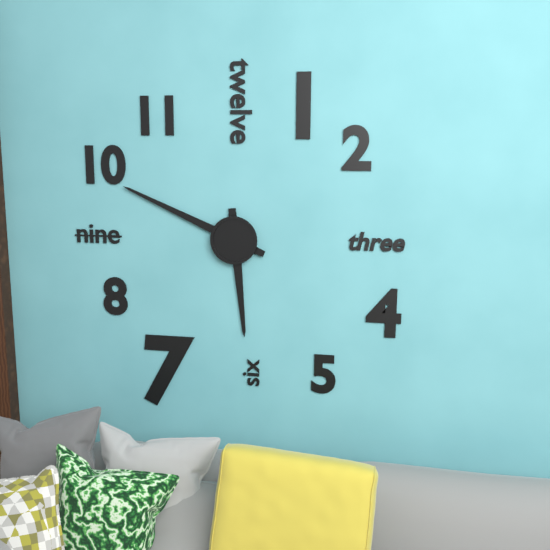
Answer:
5,49
